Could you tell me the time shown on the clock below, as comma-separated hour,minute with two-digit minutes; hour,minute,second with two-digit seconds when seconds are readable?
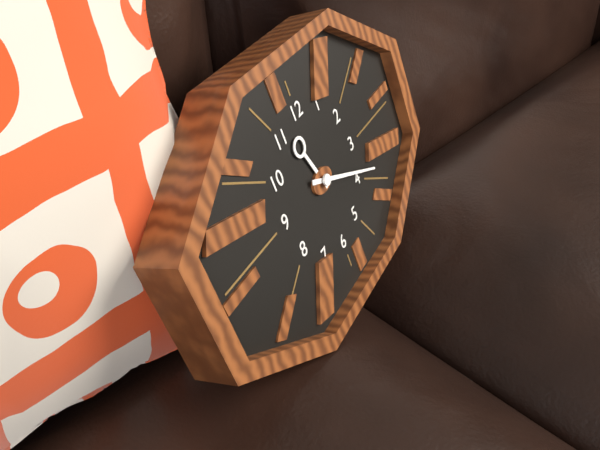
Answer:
11,19
